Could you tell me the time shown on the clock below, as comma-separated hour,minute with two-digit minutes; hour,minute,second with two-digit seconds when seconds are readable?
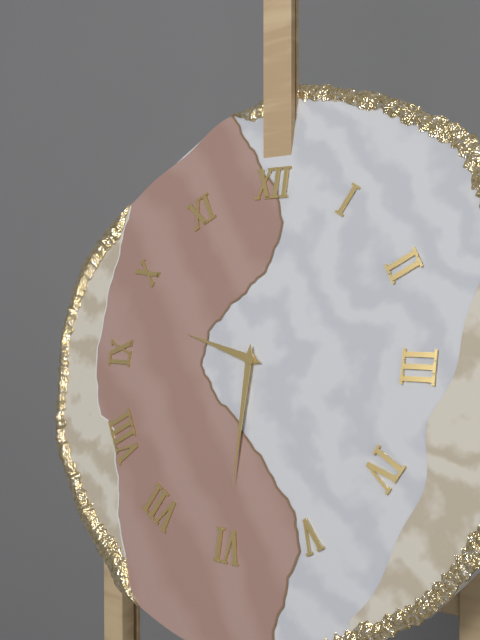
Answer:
9,30
